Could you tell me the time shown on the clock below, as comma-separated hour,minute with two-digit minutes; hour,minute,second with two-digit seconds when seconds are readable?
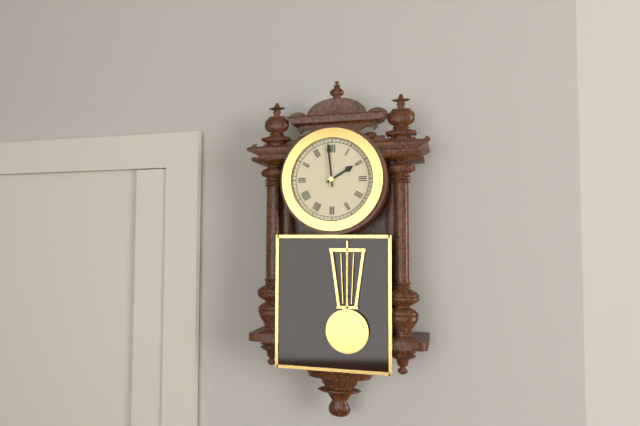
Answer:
1,59
